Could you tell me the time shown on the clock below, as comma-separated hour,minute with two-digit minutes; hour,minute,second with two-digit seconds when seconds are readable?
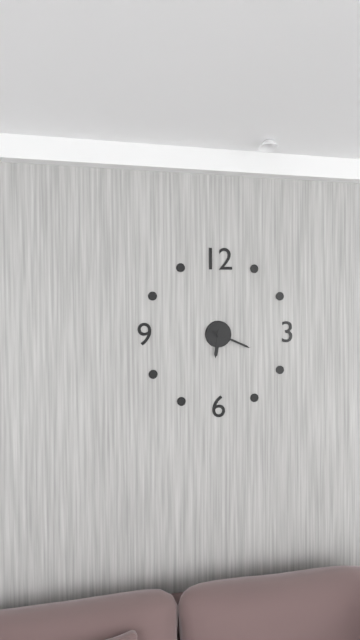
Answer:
6,19
